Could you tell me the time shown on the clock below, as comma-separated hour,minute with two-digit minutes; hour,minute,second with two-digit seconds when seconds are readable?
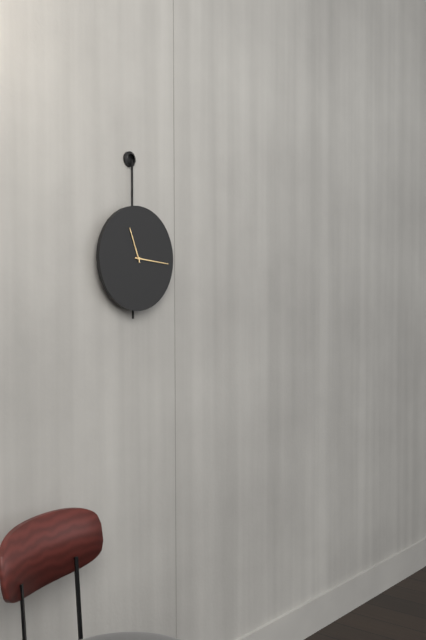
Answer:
11,16
